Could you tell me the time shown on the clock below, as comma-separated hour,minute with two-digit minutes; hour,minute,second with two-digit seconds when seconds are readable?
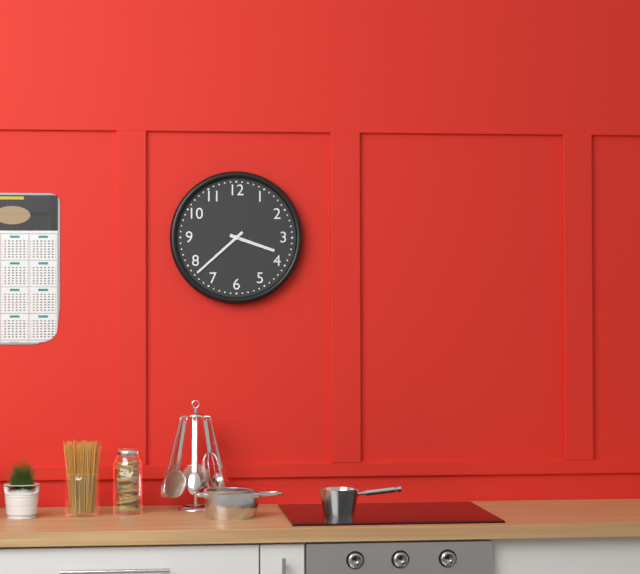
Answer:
3,38
